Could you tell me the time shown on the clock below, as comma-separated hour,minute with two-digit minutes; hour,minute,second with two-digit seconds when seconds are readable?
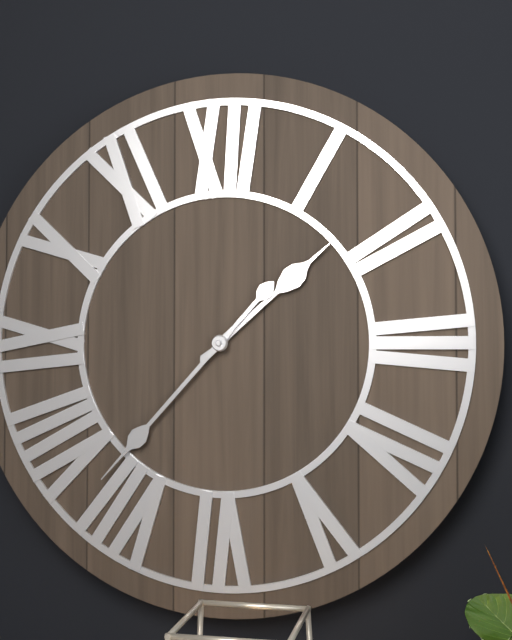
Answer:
1,37
